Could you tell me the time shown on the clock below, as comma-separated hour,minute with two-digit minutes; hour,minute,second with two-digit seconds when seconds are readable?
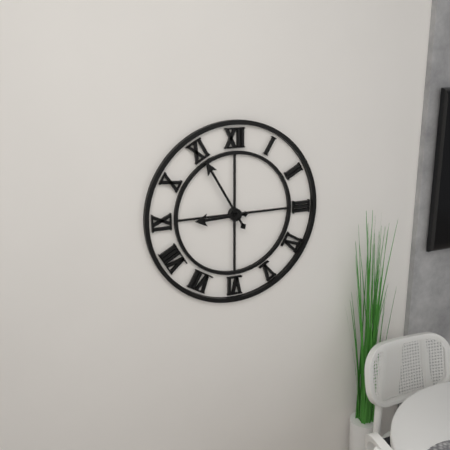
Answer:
8,55
